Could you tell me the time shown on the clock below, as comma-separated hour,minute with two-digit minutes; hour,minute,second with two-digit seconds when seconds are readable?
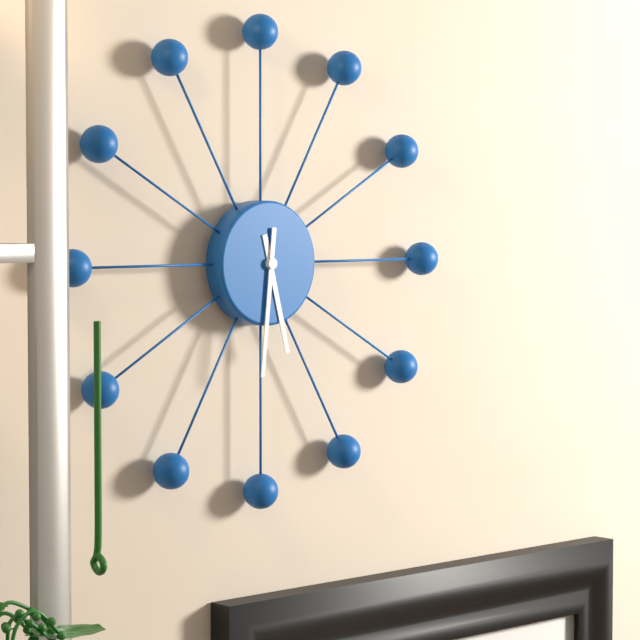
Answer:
5,31
